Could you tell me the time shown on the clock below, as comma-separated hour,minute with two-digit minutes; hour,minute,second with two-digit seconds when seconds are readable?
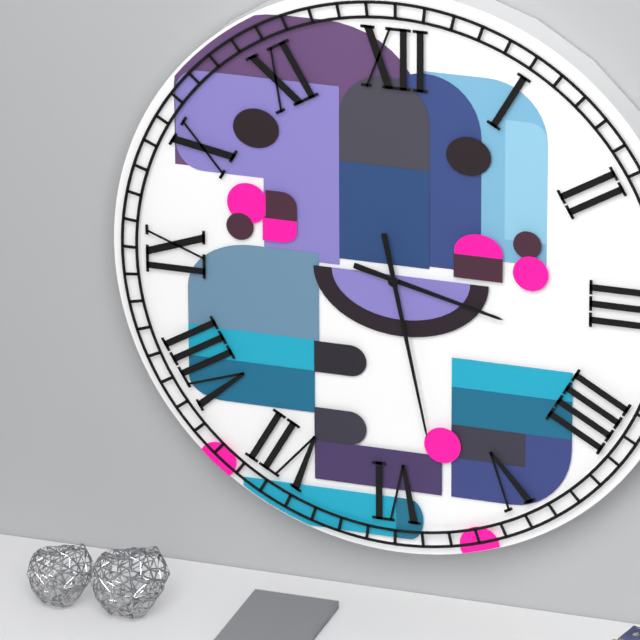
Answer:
3,28
